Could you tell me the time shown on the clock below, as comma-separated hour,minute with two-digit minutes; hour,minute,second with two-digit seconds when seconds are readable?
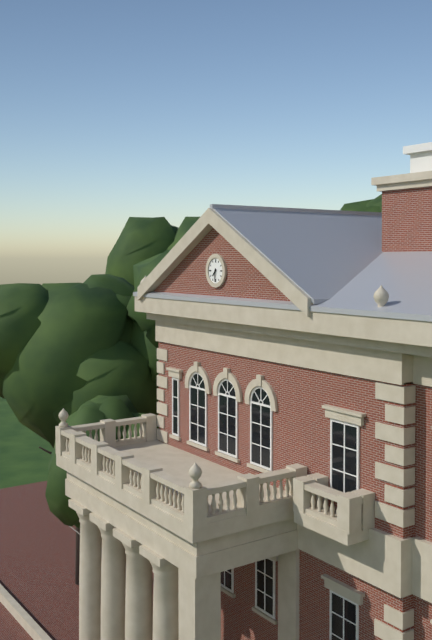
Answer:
7,31
